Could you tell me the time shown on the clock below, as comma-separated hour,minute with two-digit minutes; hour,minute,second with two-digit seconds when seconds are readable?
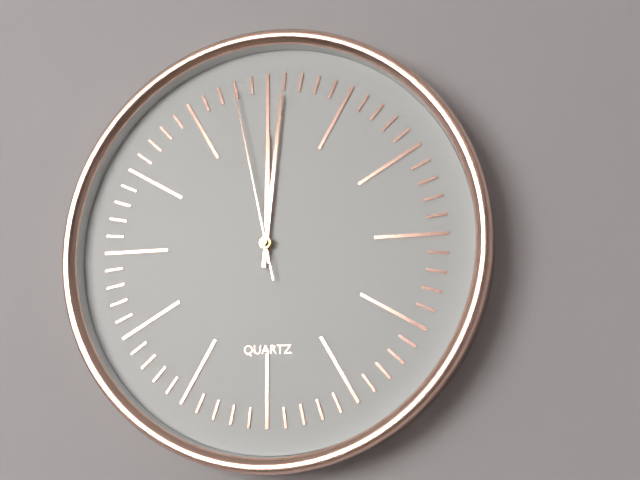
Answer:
12,01,58
